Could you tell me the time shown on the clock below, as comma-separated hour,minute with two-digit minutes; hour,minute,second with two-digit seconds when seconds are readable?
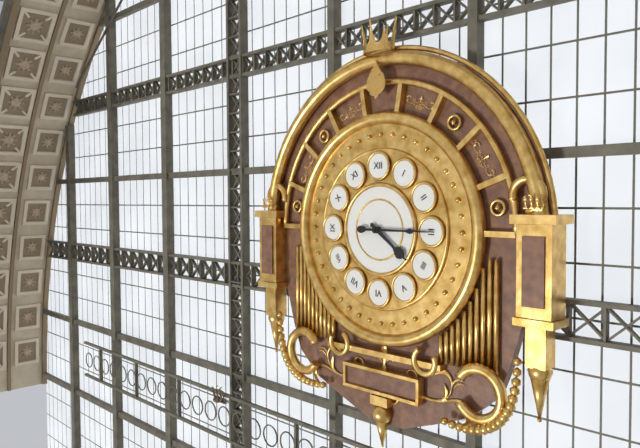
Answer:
4,15
